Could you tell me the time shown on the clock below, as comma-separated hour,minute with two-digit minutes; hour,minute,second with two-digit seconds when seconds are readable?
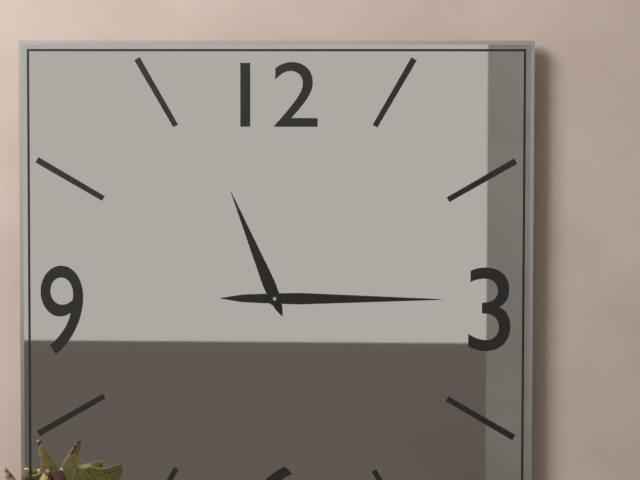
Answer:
11,15
